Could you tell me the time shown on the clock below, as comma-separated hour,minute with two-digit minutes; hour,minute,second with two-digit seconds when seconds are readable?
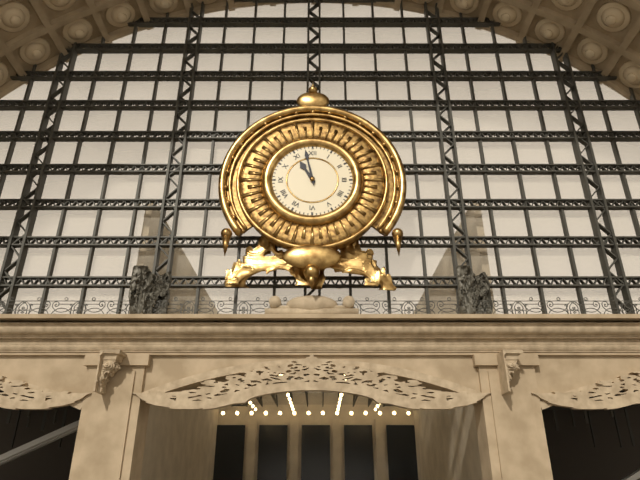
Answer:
10,58
